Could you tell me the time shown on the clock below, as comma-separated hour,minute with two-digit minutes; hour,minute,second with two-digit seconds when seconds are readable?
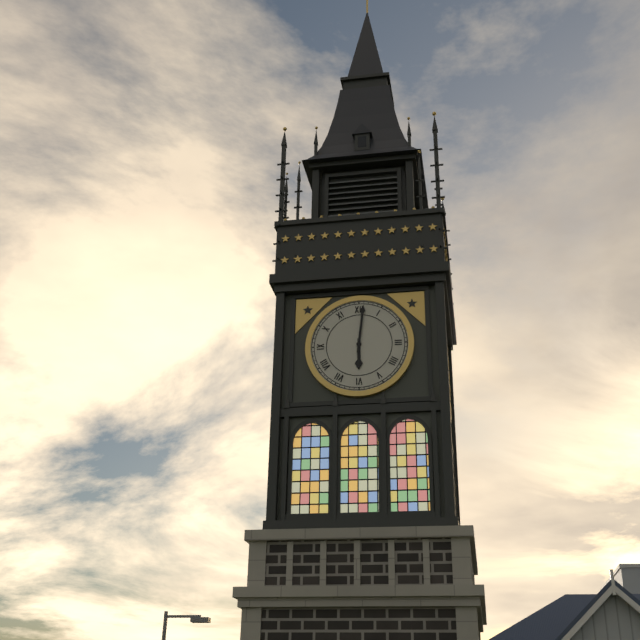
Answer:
6,01
